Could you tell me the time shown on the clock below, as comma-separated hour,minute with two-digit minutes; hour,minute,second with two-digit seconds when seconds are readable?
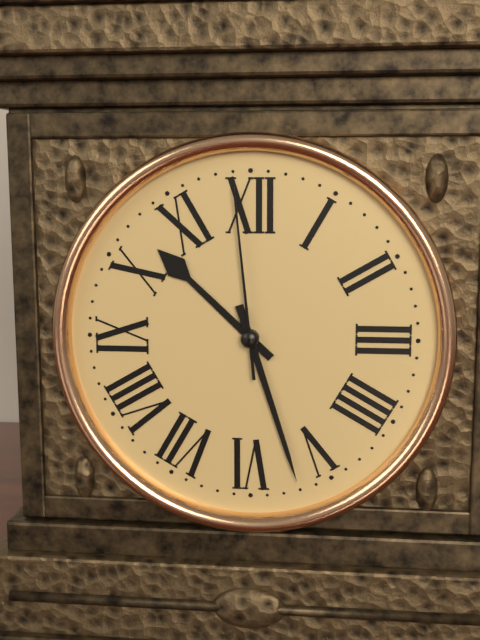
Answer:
10,27,59
